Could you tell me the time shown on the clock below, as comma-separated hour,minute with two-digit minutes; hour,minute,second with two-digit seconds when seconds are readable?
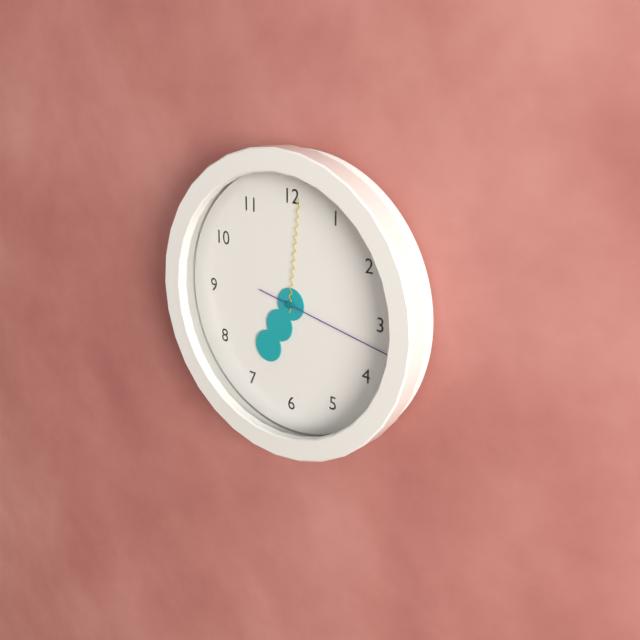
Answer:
7,01,17
